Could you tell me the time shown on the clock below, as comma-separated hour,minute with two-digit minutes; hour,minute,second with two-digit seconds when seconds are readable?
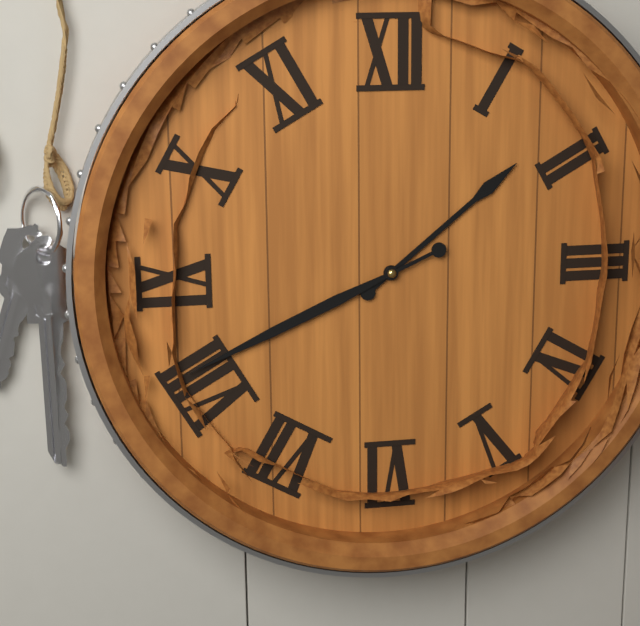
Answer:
1,41
